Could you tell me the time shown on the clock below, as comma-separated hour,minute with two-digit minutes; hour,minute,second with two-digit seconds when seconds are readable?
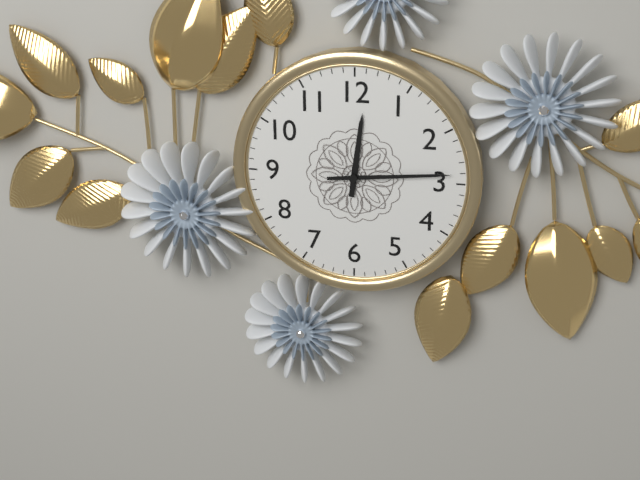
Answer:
12,14
